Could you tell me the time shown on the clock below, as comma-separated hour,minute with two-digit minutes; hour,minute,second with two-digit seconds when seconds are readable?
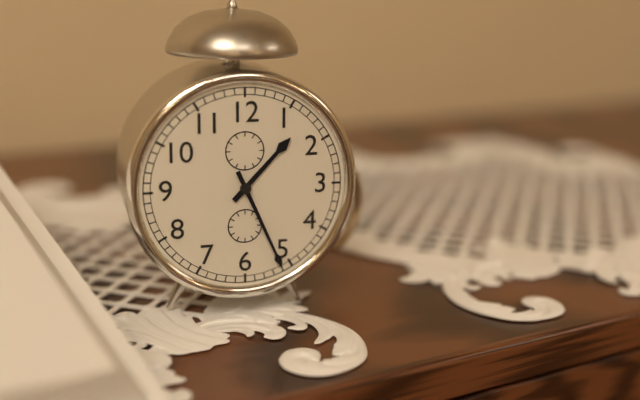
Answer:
1,26
